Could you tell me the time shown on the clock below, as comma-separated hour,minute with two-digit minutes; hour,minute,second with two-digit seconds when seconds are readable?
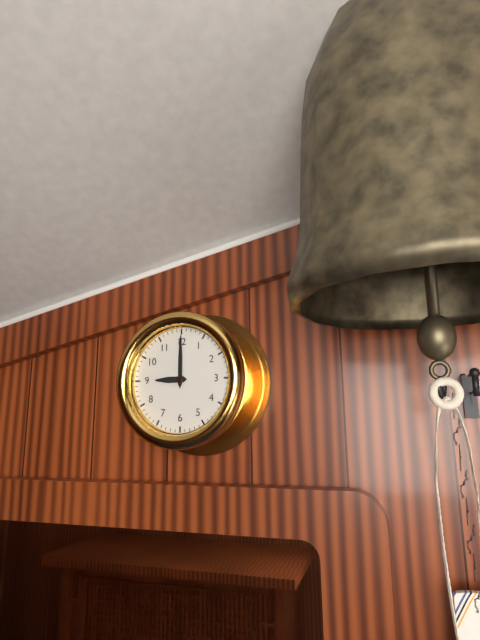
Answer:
9,00
